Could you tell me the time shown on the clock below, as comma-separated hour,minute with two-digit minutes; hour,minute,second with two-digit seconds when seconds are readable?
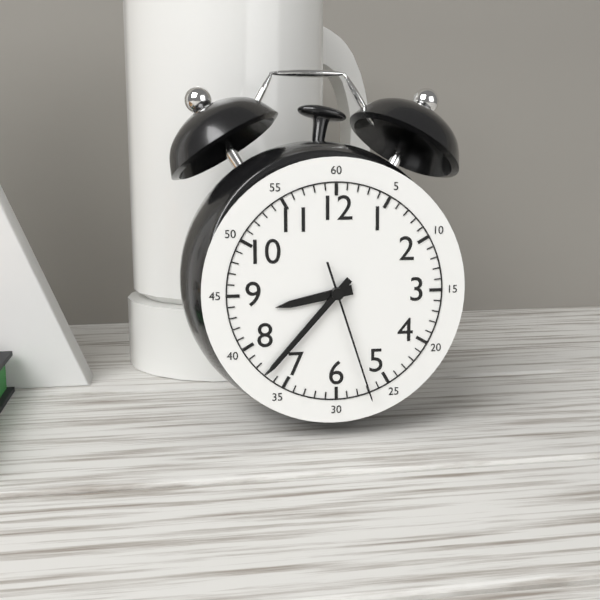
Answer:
8,37,27
